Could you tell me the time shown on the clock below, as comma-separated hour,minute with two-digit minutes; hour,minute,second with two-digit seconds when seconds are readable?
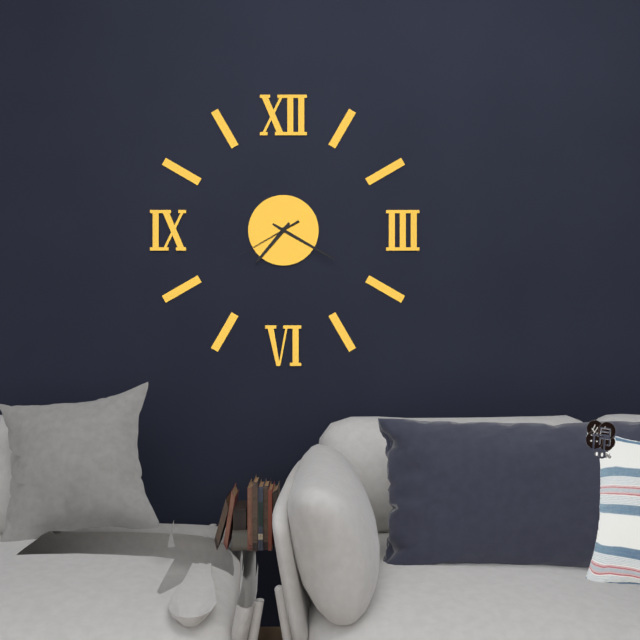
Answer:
7,20,40
